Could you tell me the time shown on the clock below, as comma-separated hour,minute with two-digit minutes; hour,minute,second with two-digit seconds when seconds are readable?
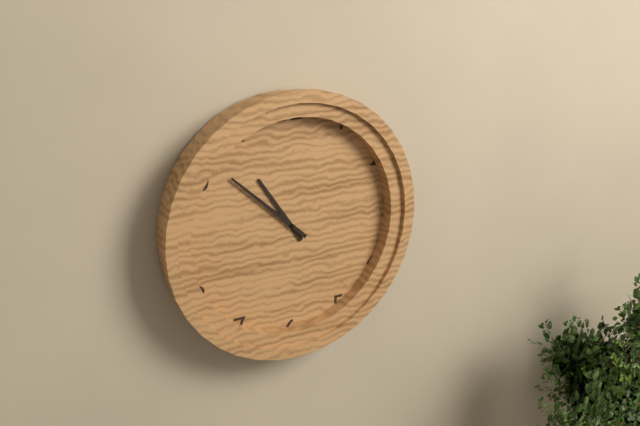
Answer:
10,52
